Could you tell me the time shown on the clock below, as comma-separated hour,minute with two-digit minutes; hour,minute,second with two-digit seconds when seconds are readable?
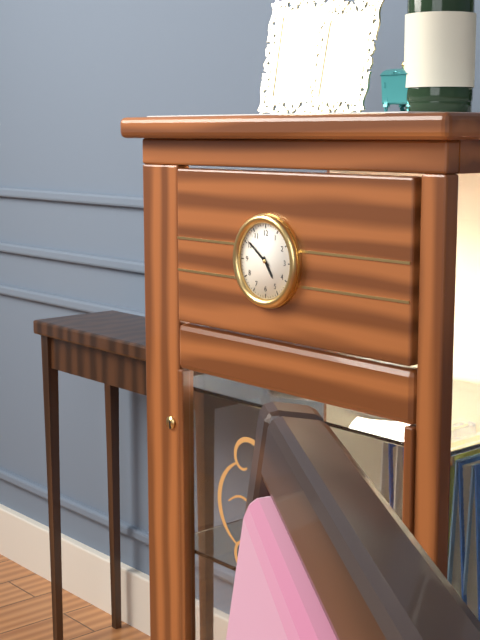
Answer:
4,51
